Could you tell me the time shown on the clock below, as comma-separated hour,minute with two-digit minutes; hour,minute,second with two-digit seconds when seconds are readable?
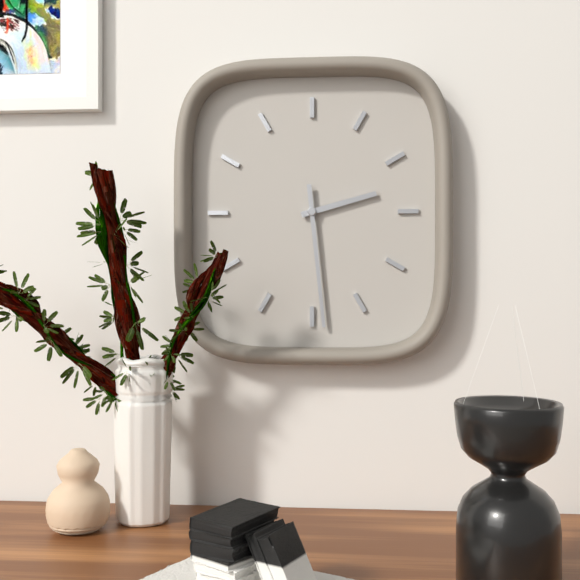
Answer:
2,29
